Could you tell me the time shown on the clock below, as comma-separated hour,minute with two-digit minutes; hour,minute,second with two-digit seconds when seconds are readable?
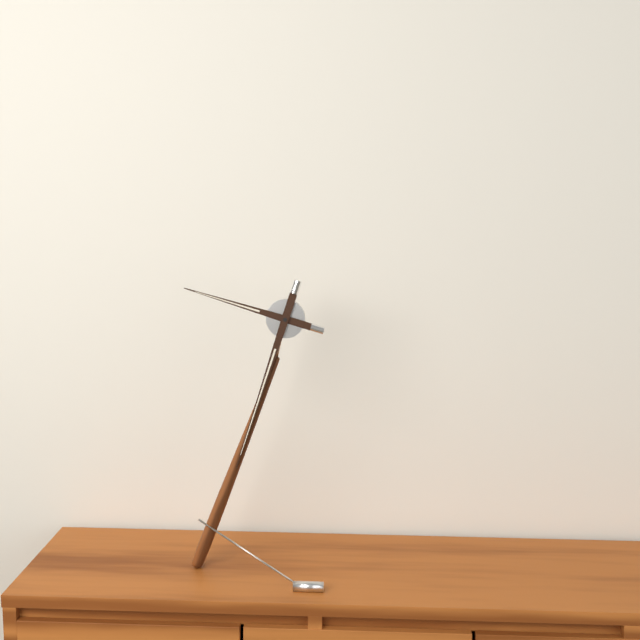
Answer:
9,33
